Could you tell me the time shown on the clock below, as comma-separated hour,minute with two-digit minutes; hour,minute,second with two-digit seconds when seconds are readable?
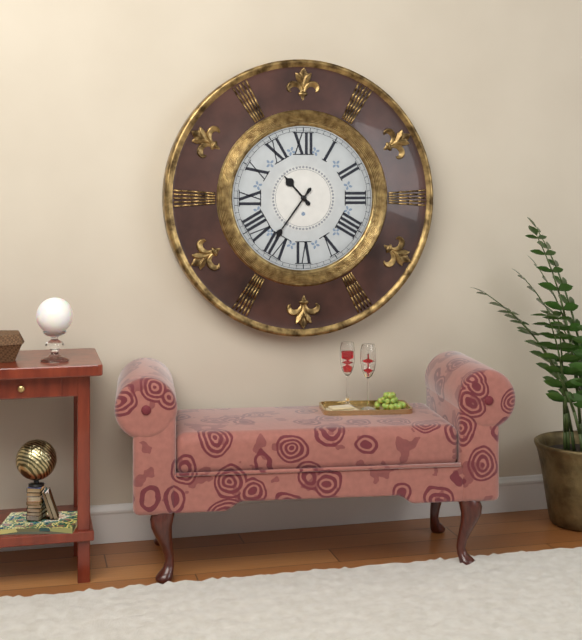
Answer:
10,36
